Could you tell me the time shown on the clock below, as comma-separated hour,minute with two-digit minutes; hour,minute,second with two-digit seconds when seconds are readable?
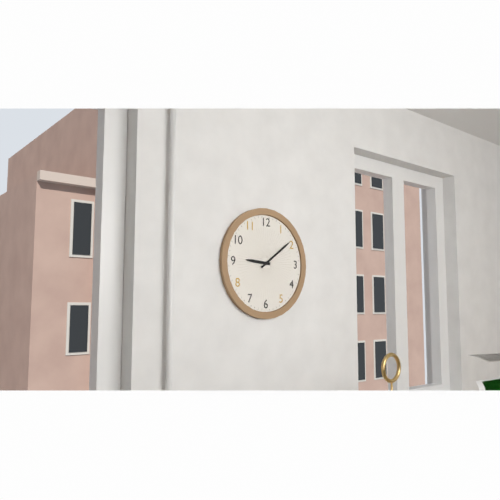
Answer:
9,09
